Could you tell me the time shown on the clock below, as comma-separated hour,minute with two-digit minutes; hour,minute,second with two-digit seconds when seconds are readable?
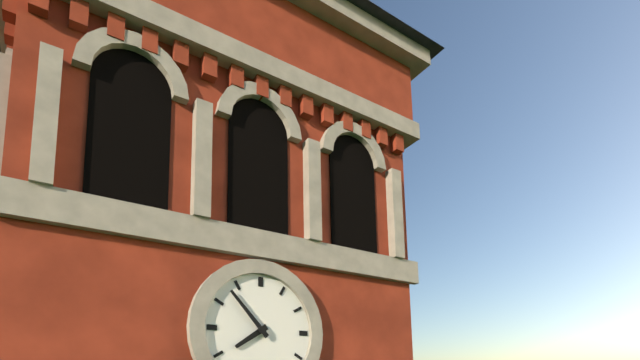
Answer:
7,53
